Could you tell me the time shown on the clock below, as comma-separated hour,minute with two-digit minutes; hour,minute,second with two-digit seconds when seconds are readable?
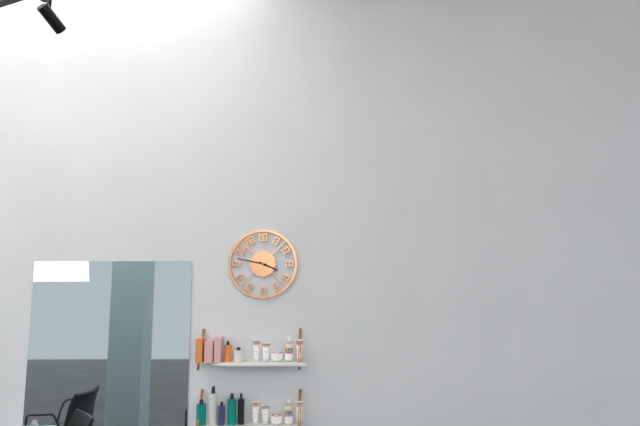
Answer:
3,47
